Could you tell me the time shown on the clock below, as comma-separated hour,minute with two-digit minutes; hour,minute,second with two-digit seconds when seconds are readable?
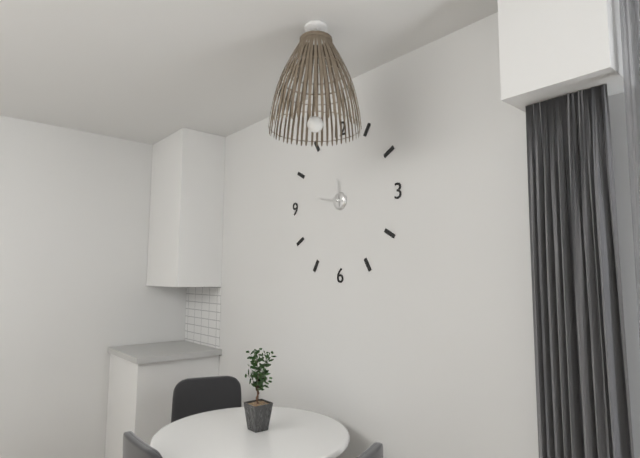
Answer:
11,47
